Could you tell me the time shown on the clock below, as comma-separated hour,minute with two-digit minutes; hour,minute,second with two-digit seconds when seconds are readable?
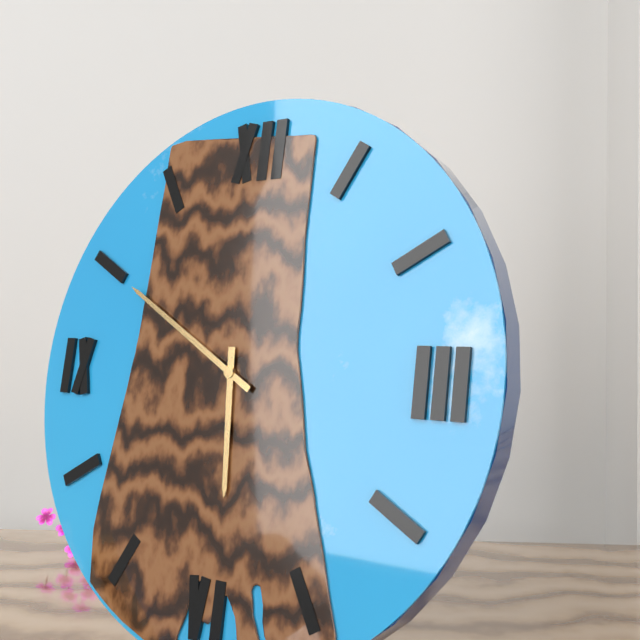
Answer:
5,50
